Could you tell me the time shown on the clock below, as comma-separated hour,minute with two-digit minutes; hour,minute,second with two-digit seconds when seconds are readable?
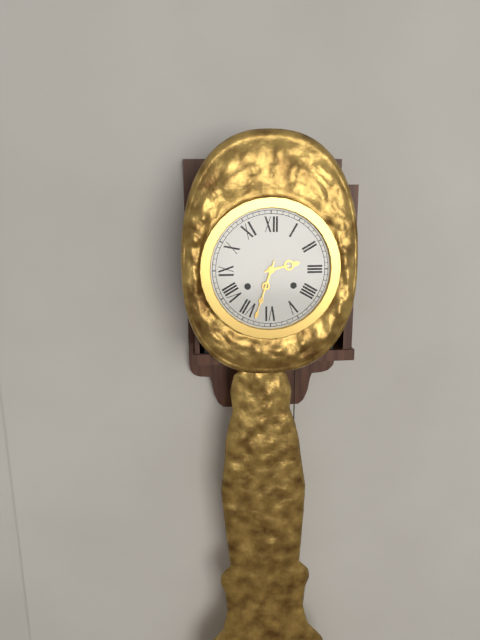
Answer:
2,33
